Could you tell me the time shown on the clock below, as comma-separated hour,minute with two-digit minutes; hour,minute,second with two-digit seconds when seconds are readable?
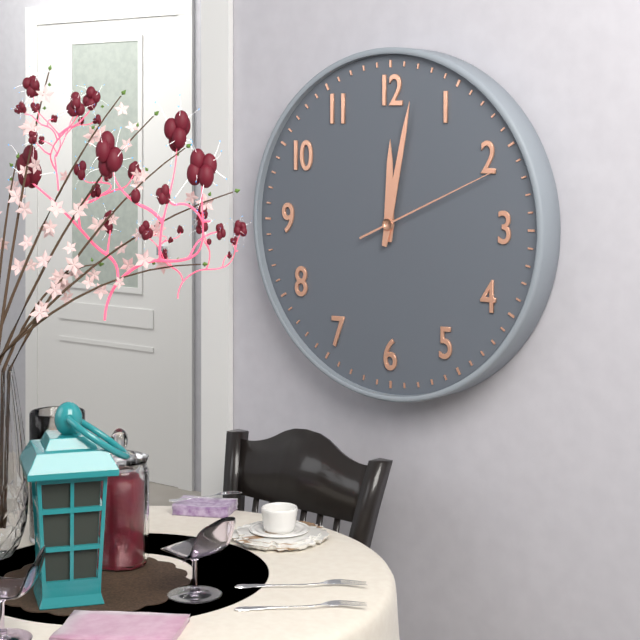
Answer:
12,02,11
